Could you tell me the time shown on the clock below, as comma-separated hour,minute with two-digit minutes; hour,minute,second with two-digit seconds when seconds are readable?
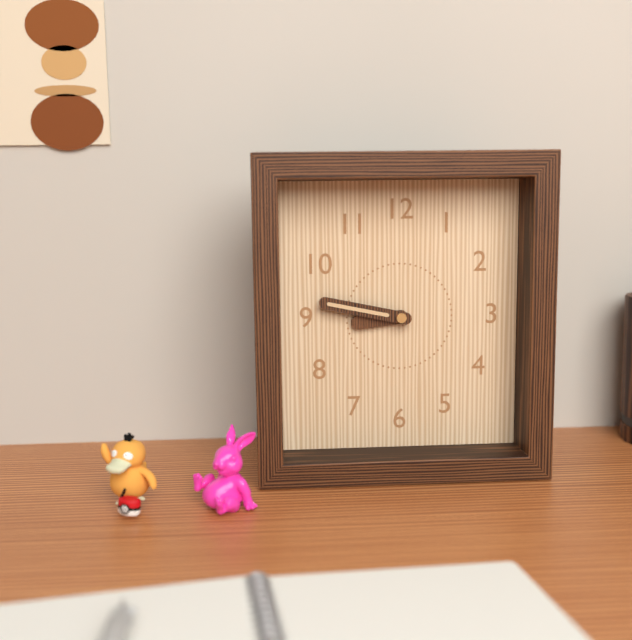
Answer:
8,47
